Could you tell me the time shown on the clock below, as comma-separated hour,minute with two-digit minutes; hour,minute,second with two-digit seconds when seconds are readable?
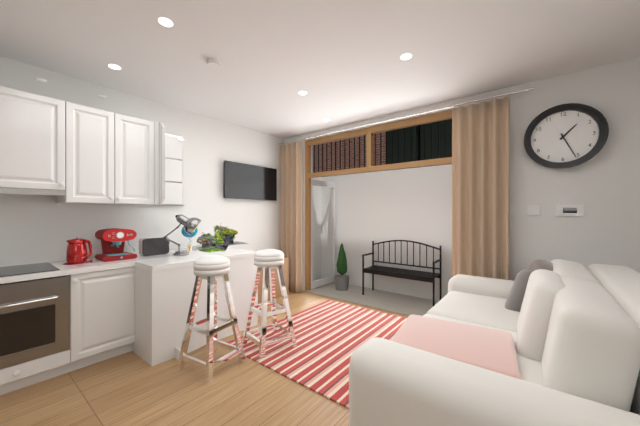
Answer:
1,26
